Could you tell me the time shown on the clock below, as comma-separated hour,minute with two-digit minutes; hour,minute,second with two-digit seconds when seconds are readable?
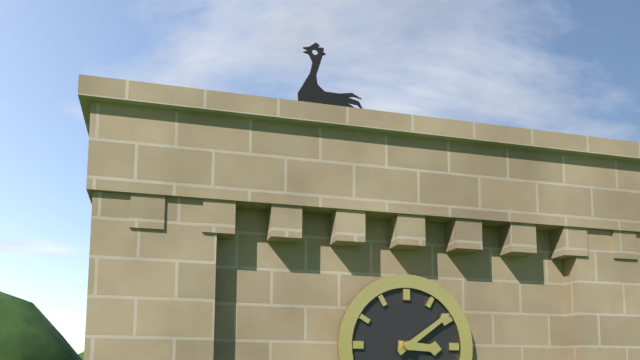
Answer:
3,09
